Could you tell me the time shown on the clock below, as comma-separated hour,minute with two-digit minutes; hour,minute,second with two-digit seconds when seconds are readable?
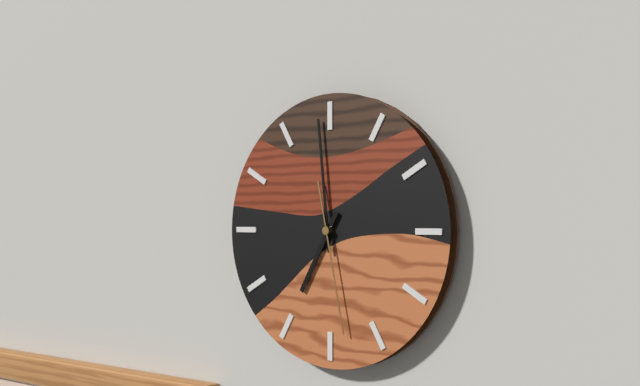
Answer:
6,59,28
